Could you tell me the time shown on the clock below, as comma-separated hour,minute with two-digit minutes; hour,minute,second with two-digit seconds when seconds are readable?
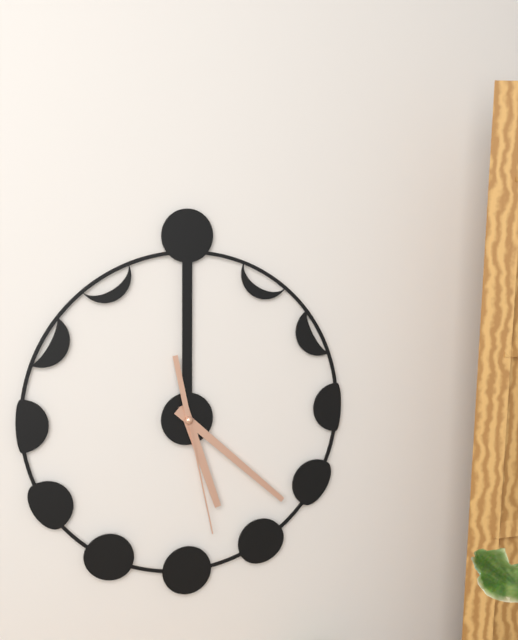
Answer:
5,22,28
